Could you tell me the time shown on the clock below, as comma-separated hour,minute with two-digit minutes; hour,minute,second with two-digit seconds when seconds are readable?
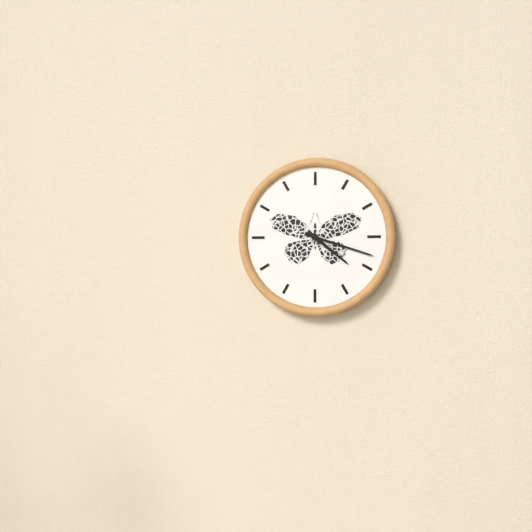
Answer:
4,18
